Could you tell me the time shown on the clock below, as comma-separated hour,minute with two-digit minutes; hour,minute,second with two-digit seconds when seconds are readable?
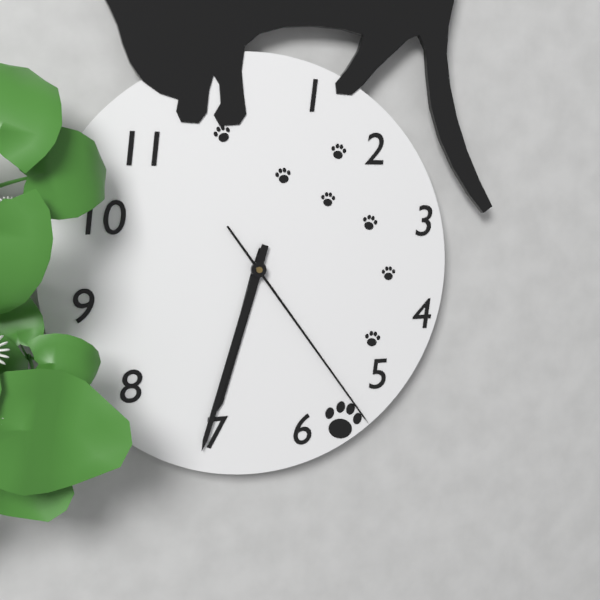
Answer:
6,33,24
